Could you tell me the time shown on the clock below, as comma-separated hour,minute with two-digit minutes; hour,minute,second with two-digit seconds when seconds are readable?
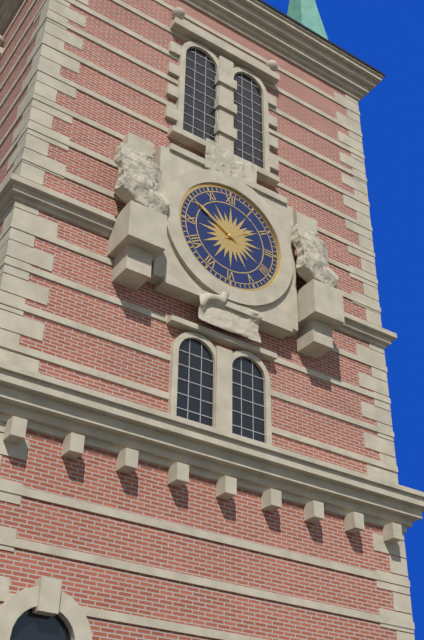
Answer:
1,50
